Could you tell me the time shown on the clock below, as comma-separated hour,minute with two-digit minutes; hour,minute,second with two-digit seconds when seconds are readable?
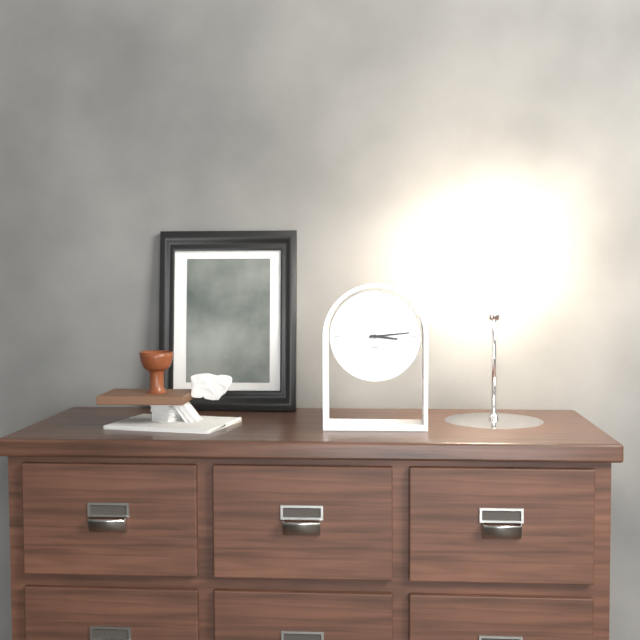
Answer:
3,14
